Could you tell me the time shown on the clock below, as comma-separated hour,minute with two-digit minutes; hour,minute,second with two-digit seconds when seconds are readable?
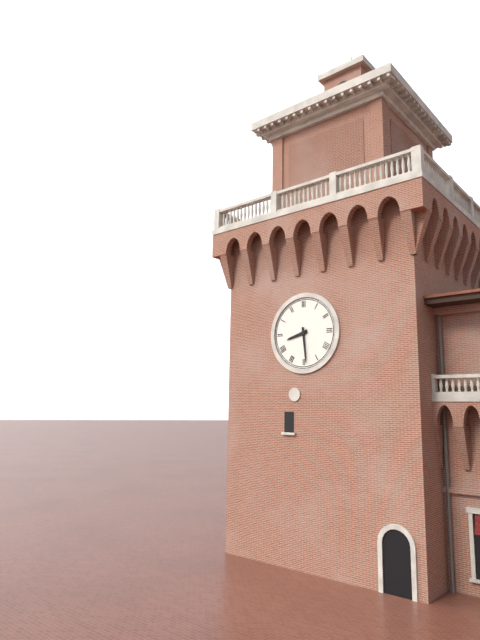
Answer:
8,29
